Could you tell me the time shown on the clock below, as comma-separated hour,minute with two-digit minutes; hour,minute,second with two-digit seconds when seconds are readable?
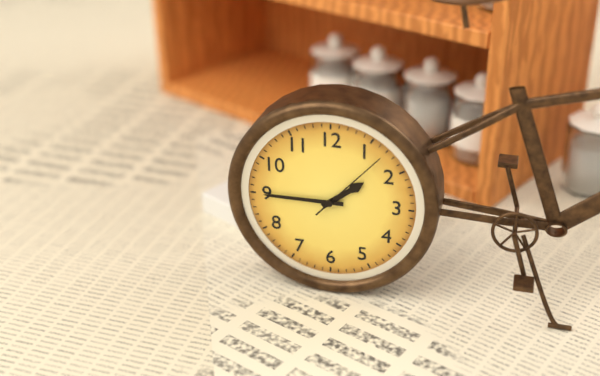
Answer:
1,45,07
